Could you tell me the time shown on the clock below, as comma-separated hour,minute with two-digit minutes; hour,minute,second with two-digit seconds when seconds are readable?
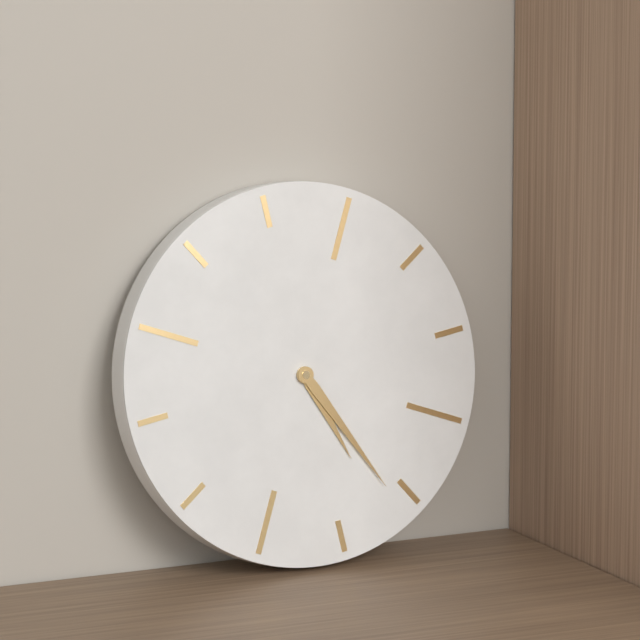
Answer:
5,26
